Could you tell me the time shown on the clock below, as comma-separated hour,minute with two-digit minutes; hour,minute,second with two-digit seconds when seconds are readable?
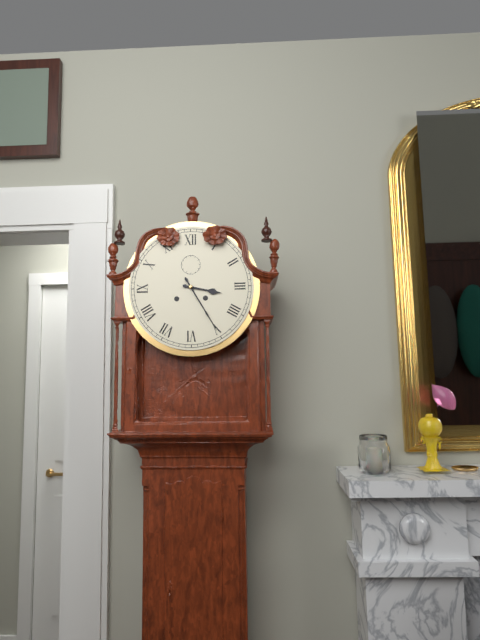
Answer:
3,25
